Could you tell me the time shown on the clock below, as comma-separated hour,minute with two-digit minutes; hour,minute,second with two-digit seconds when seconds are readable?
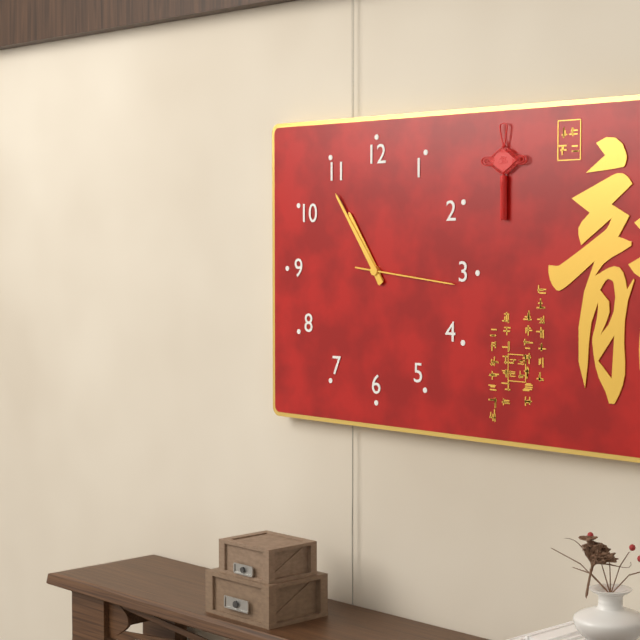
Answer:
10,54,16
